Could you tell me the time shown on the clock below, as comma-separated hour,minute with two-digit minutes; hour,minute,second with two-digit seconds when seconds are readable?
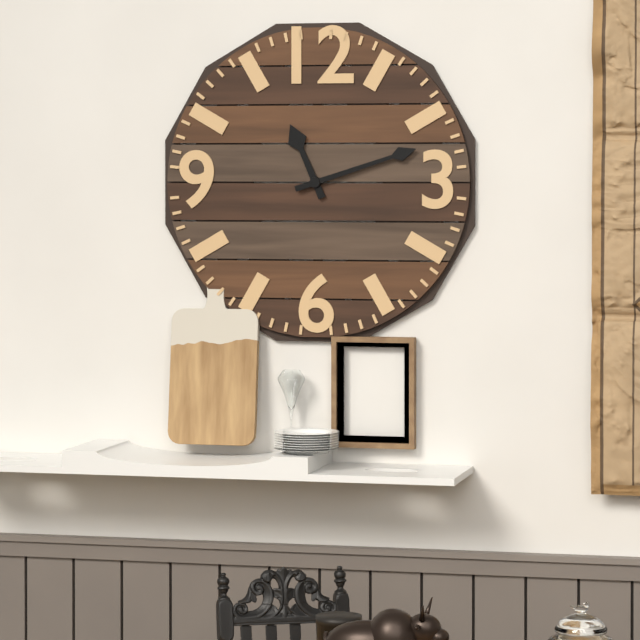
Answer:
11,12
